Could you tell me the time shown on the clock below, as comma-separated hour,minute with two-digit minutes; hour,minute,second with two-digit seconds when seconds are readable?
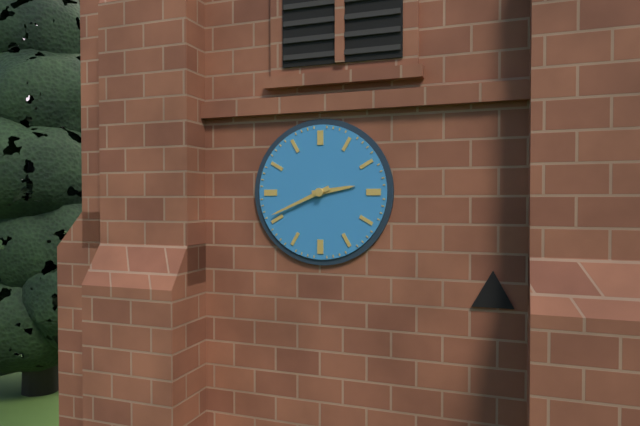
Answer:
2,41
